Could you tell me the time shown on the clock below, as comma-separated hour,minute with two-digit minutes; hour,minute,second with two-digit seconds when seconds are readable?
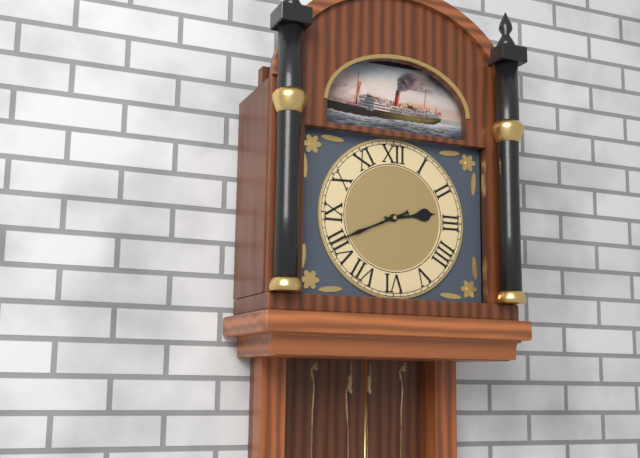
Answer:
2,41
